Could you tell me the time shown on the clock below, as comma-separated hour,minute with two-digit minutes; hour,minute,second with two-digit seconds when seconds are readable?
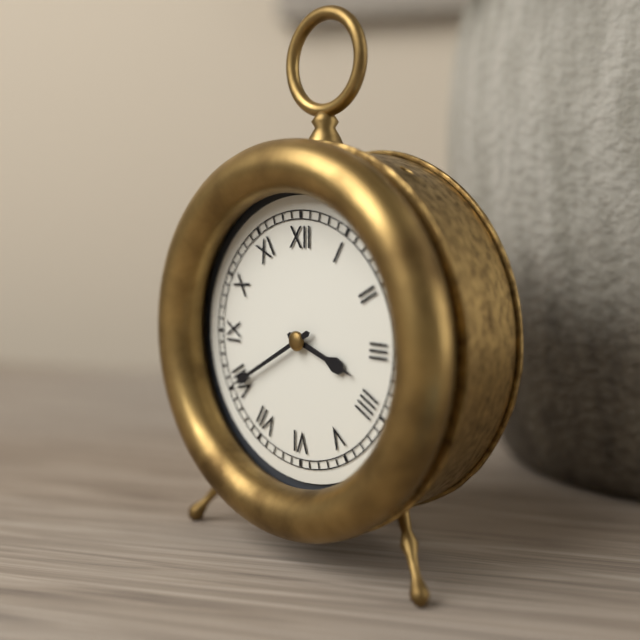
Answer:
3,40
